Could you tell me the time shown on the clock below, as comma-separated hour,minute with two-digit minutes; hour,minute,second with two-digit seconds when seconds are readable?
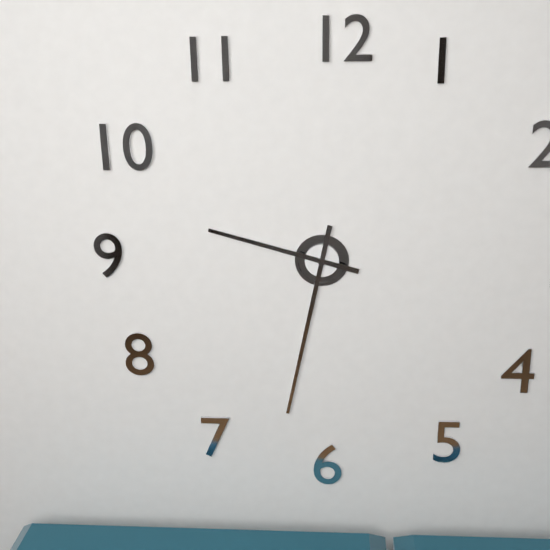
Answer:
9,32
